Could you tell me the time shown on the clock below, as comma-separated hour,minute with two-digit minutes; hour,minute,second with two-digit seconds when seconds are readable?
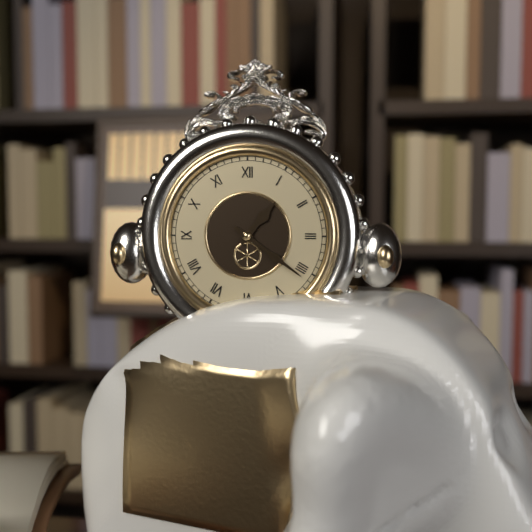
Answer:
1,21
